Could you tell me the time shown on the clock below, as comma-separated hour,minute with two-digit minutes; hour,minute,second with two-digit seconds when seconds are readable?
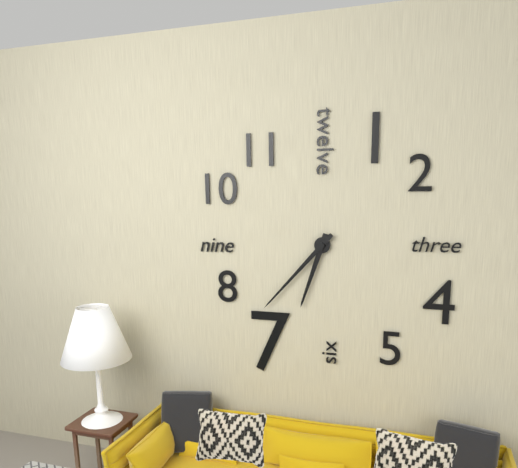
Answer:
6,37
